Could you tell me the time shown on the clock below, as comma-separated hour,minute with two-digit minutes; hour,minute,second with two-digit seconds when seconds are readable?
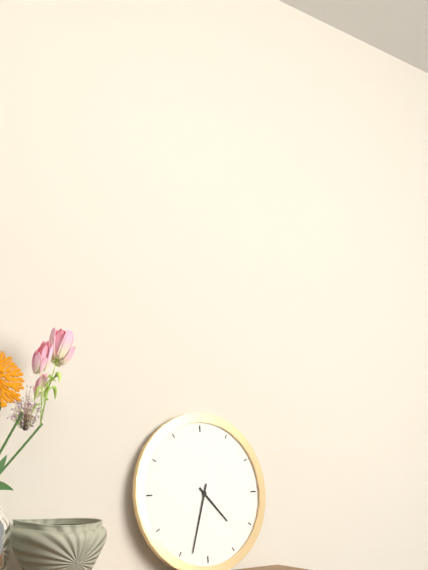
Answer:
4,33
